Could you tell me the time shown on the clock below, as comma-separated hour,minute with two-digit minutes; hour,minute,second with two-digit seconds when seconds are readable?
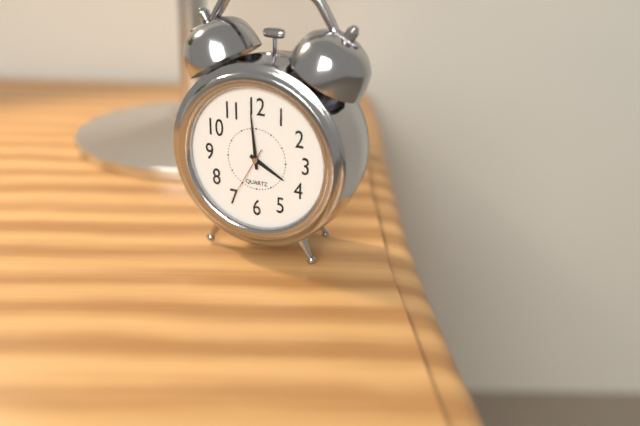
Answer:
3,59,35
